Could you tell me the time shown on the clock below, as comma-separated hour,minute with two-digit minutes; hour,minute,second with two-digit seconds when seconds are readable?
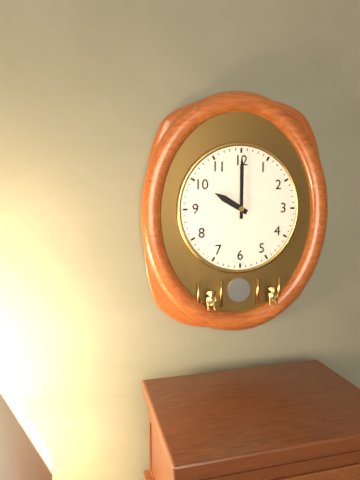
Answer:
10,00
